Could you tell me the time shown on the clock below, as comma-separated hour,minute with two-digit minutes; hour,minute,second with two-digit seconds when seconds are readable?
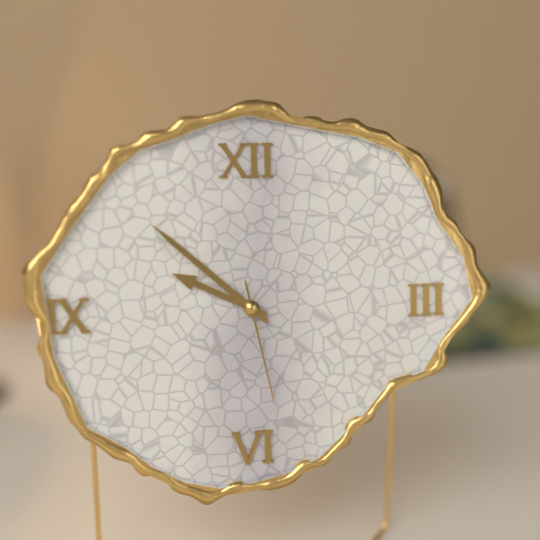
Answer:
9,52,28
